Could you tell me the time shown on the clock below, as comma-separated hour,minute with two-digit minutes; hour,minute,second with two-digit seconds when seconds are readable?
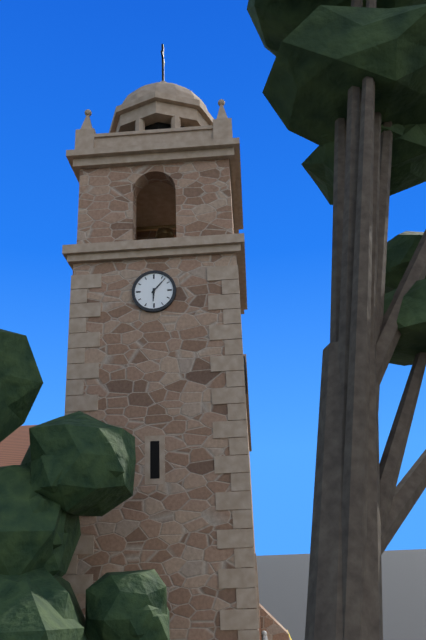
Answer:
6,07
